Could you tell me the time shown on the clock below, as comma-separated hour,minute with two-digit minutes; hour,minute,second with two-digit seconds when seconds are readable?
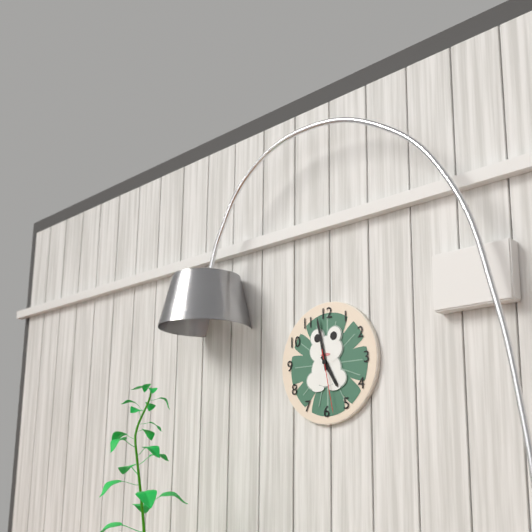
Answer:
4,58,28
